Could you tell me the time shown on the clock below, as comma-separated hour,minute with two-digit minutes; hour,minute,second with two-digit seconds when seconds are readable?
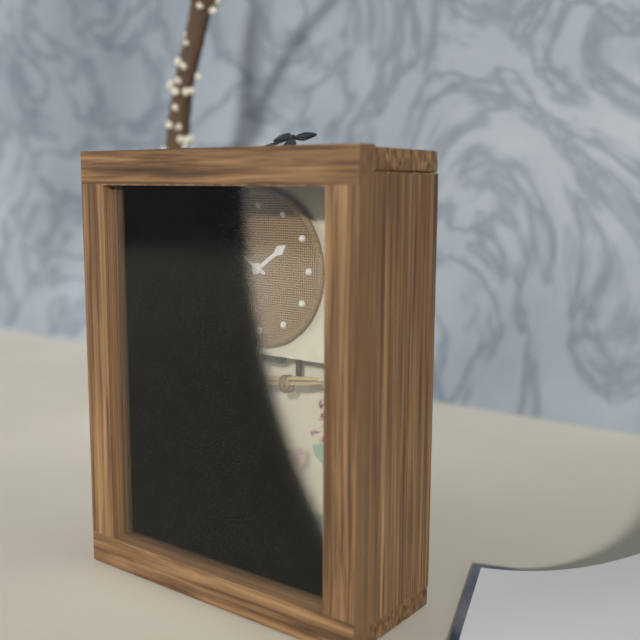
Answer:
1,50
